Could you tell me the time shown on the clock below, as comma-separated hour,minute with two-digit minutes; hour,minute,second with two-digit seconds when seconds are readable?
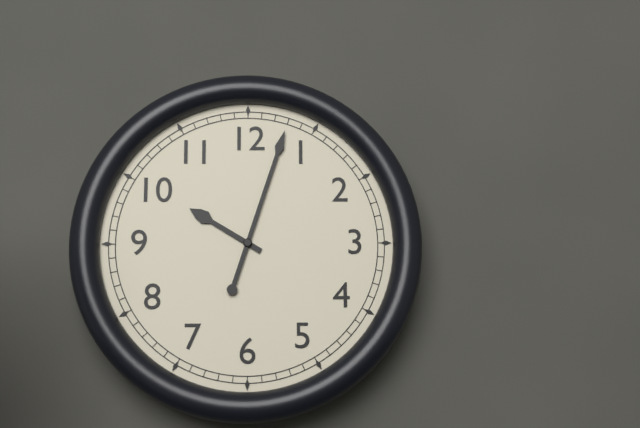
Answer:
10,03
